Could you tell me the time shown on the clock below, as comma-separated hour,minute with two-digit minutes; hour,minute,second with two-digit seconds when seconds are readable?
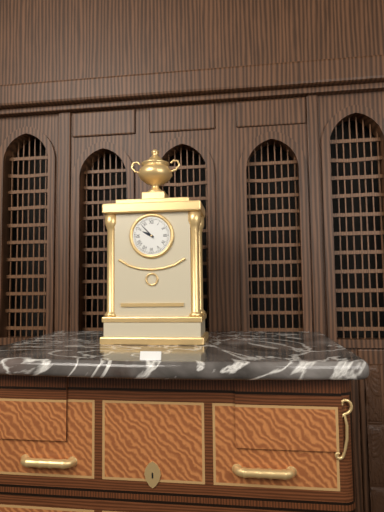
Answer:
9,53
